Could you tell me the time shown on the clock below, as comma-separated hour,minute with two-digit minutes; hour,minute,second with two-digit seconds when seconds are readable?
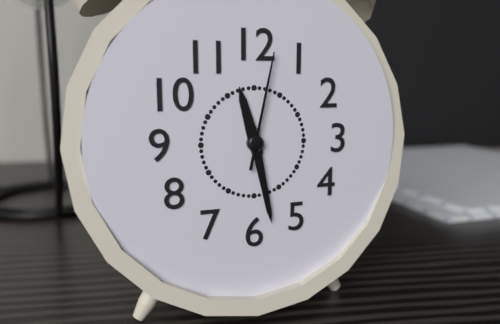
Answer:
11,28,02
